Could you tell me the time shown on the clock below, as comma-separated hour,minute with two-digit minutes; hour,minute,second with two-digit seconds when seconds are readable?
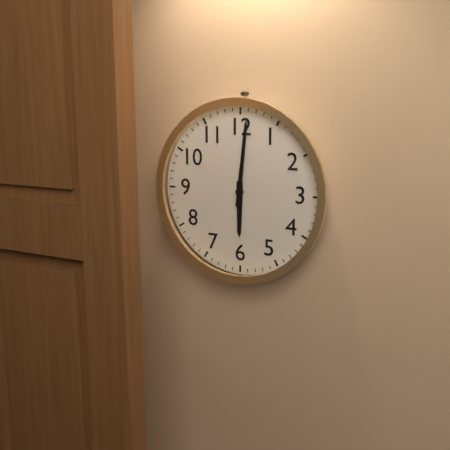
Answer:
6,01
